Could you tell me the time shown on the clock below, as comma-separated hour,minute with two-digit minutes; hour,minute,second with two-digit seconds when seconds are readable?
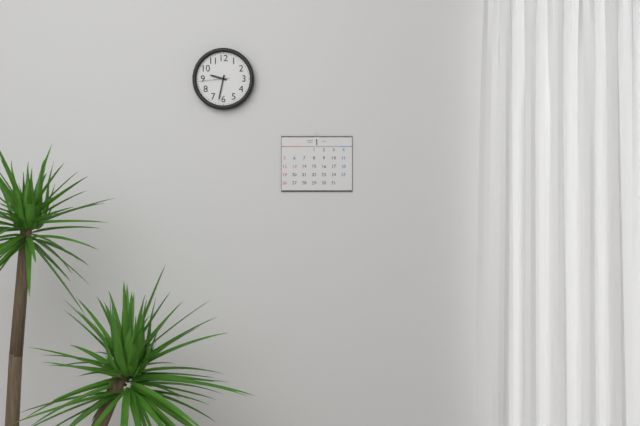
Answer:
9,32
